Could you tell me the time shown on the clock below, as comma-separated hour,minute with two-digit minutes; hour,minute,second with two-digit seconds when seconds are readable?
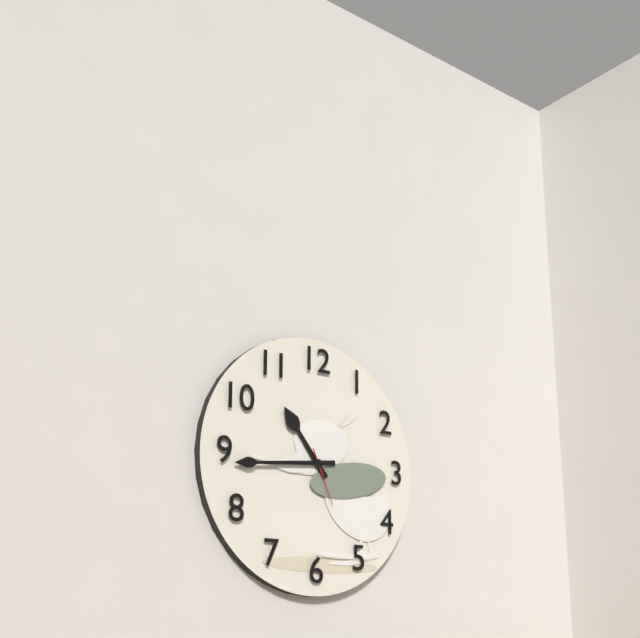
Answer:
10,44,26
